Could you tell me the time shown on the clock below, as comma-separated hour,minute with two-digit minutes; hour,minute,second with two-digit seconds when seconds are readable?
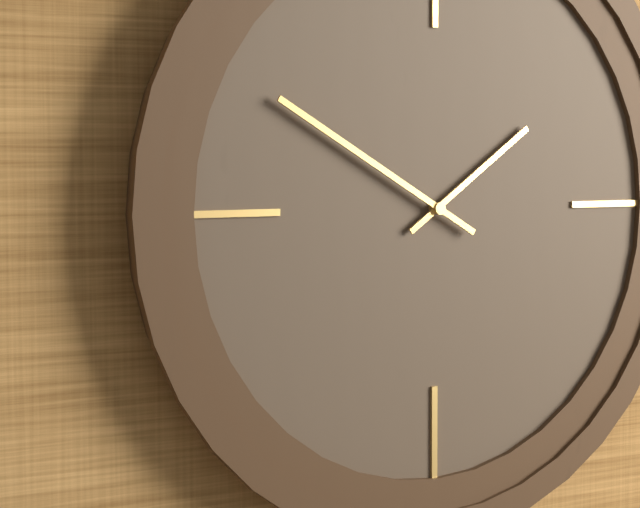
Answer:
1,50
